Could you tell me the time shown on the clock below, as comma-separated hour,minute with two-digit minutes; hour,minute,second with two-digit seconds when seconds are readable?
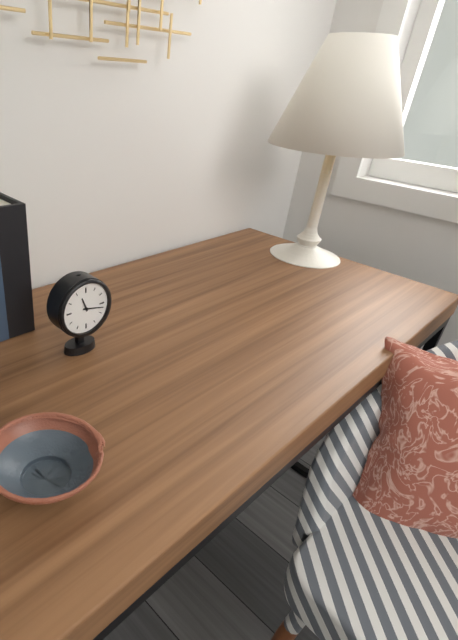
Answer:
11,17
